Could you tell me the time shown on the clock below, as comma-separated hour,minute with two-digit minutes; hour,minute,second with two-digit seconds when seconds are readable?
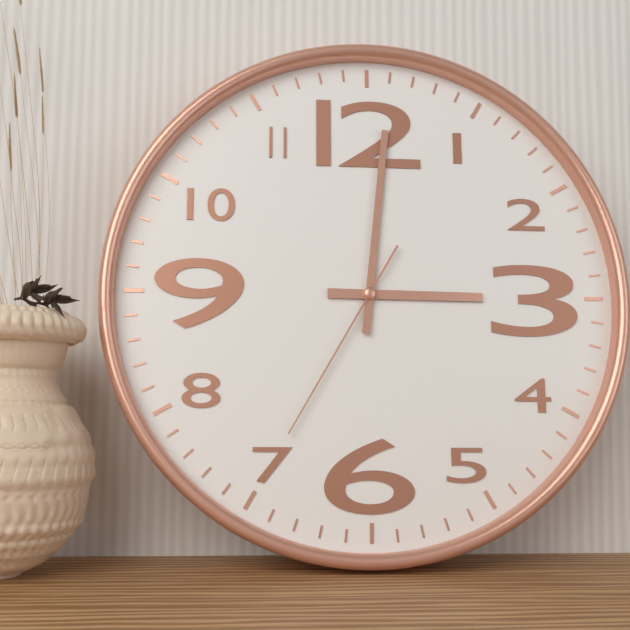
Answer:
3,01,35
